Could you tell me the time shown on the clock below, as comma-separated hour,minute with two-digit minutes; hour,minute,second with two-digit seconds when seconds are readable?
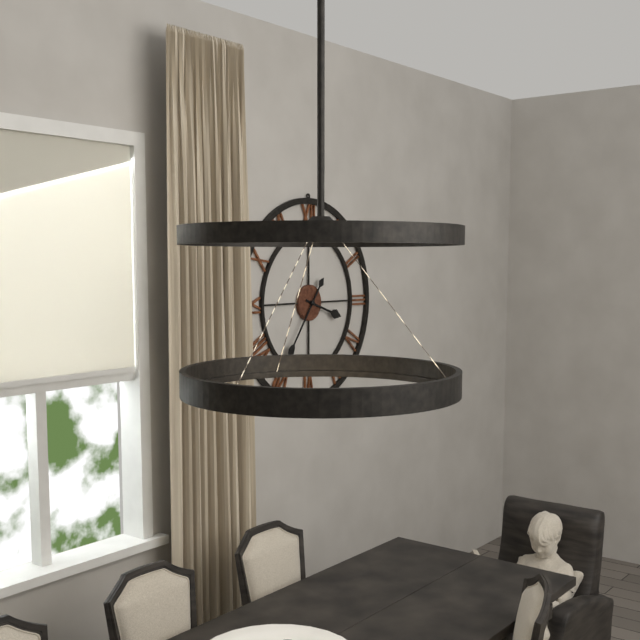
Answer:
3,36
